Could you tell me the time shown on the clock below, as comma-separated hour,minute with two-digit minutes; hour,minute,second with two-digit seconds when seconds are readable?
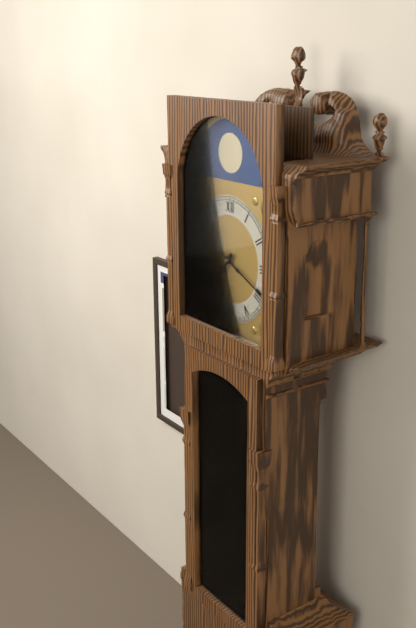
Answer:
7,19
